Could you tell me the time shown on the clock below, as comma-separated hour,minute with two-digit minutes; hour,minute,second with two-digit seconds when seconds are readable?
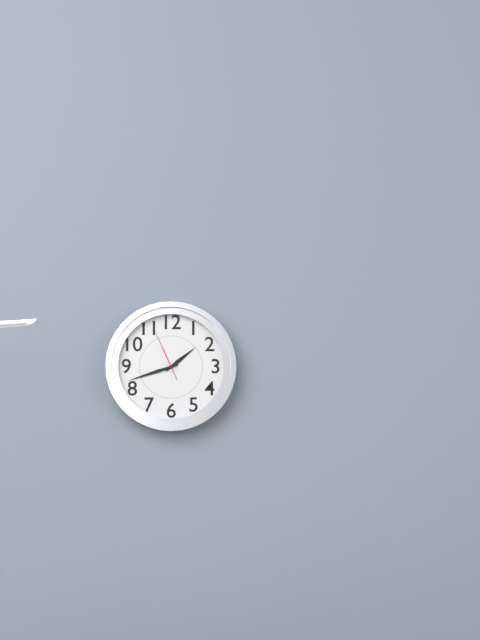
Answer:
1,42,56
